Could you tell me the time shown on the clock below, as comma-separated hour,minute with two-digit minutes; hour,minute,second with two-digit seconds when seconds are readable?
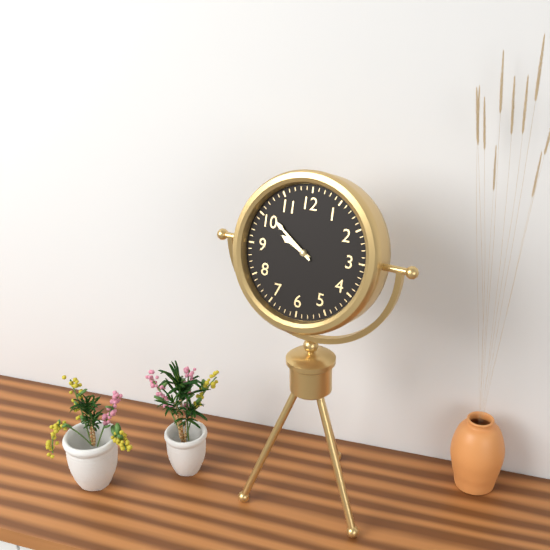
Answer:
9,51
